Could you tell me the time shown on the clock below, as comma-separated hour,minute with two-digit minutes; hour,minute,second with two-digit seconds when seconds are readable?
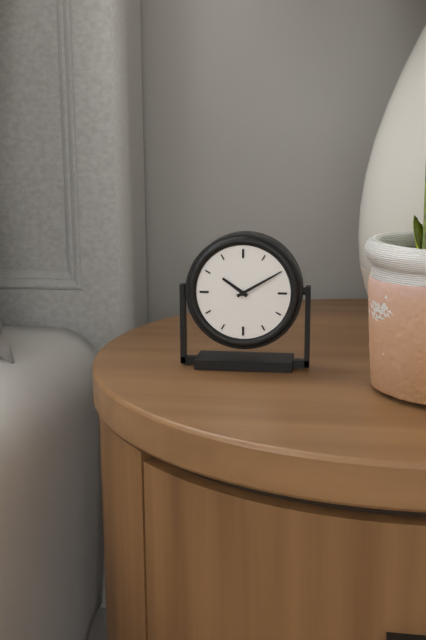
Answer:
10,10
